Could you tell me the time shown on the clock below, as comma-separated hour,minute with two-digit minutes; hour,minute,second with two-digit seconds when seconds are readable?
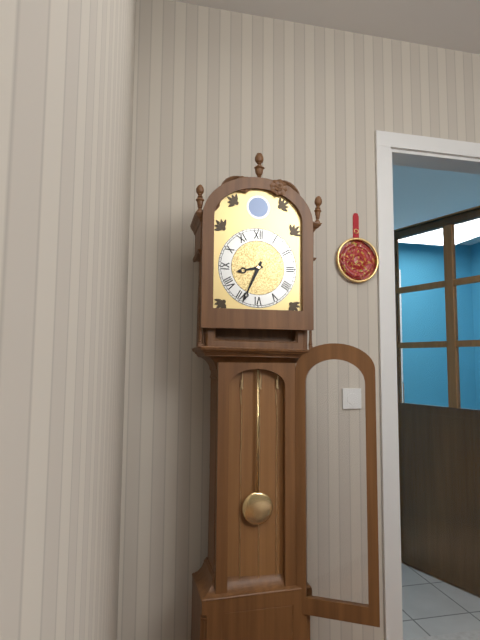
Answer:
8,34
